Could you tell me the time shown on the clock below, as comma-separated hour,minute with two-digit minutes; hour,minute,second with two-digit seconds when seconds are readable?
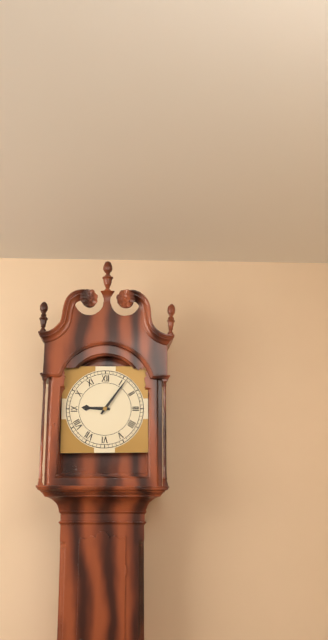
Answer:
9,06
